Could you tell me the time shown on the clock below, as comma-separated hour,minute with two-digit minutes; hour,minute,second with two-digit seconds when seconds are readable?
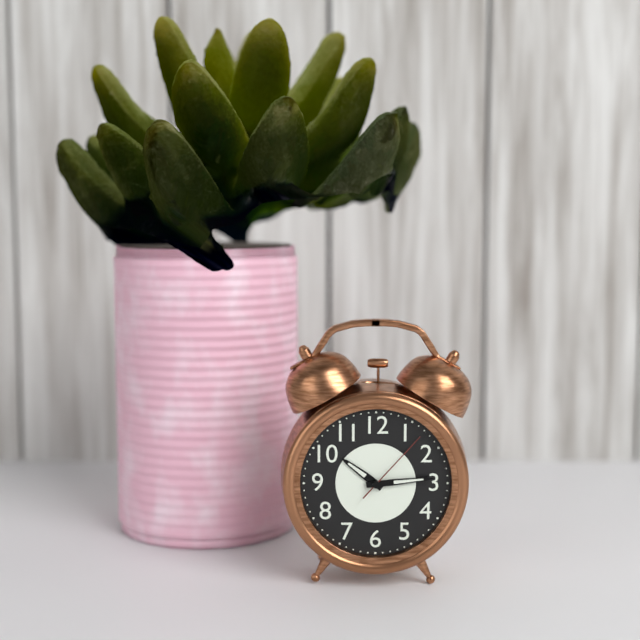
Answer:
10,14,07
